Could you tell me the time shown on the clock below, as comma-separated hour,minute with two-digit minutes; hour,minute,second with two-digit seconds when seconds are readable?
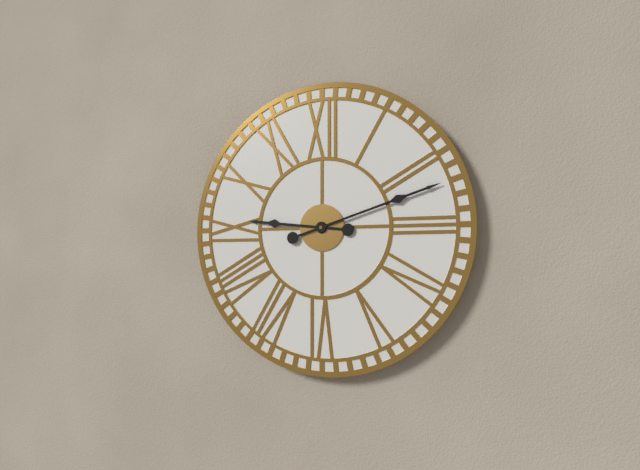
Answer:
9,12
